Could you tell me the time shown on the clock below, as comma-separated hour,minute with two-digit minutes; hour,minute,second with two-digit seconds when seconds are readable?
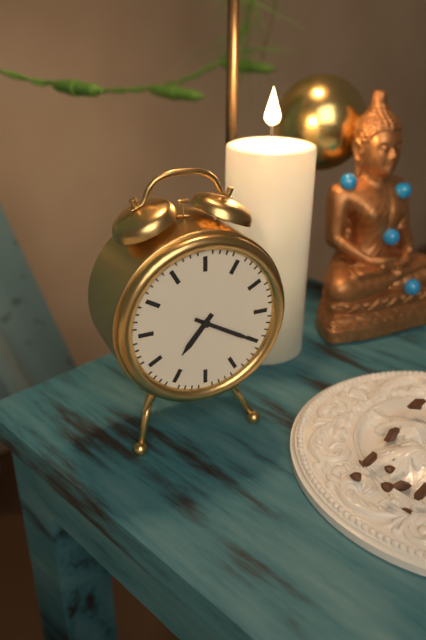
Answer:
7,20
